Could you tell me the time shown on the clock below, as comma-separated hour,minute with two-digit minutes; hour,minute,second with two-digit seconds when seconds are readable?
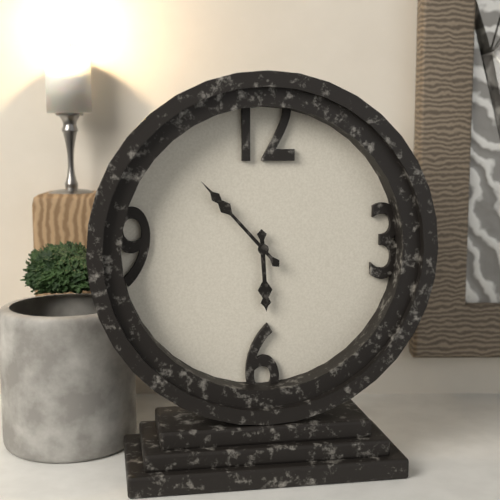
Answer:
5,53
